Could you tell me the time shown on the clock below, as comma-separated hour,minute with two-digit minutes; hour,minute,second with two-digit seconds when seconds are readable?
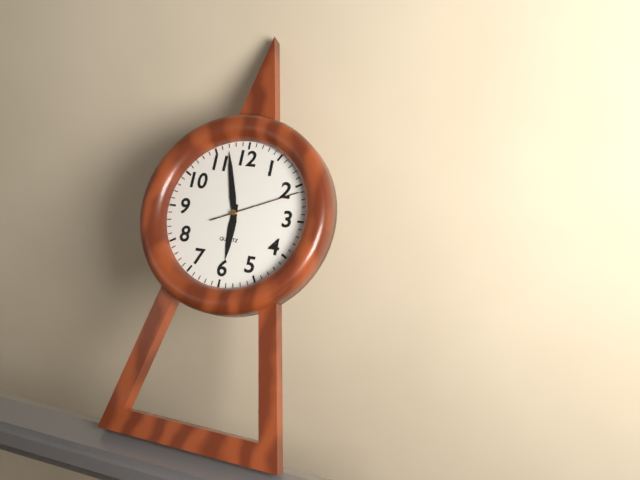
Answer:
5,57,11
